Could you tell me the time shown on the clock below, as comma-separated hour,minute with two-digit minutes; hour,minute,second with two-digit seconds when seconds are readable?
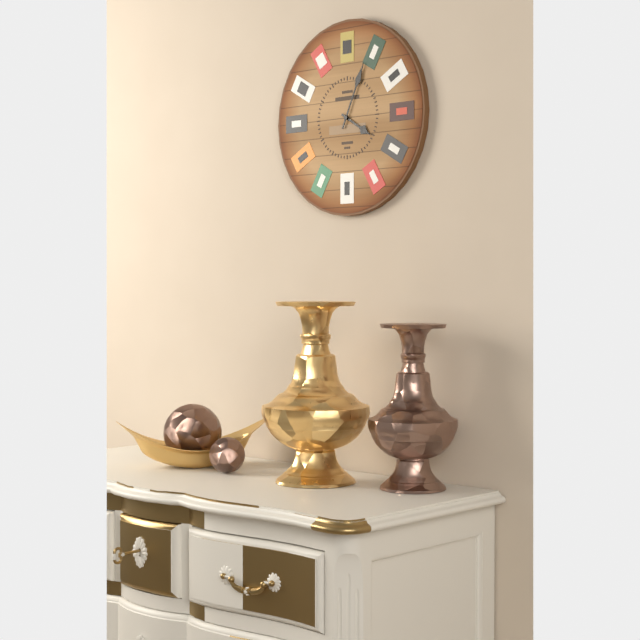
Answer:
4,04
